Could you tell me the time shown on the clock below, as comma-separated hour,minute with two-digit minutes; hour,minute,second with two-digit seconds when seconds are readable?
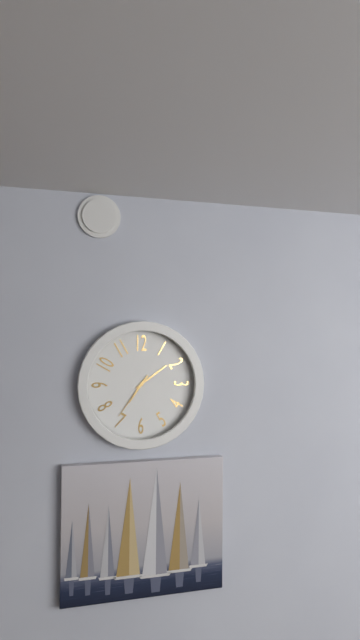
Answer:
7,09
